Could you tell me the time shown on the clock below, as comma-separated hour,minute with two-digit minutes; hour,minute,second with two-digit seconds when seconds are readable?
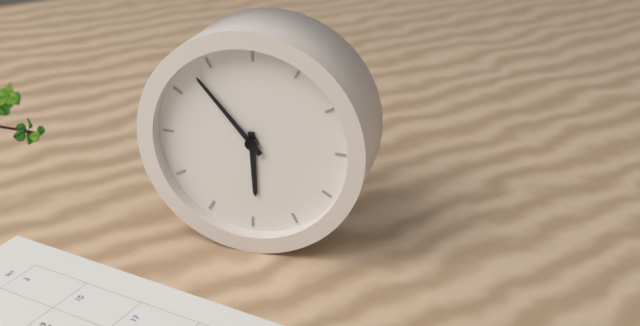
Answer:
5,53
